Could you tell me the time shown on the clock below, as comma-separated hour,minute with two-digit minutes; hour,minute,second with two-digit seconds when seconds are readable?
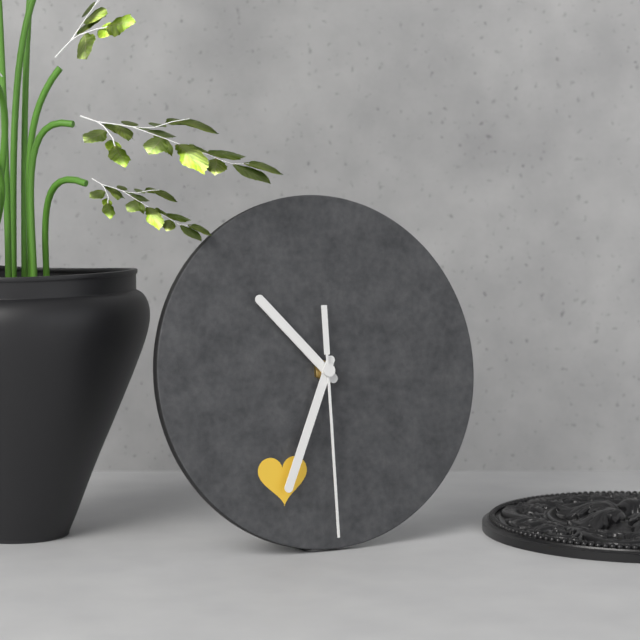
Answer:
10,34,30
